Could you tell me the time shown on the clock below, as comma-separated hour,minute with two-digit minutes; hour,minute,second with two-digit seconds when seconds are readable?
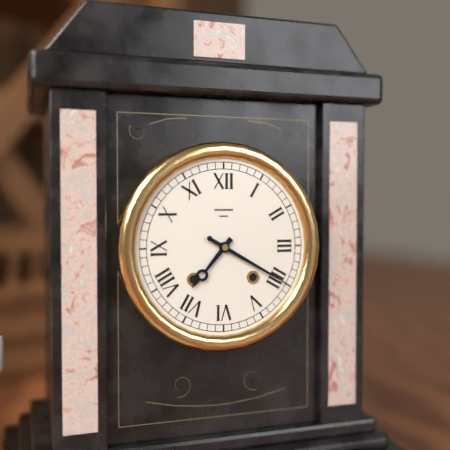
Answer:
7,20
